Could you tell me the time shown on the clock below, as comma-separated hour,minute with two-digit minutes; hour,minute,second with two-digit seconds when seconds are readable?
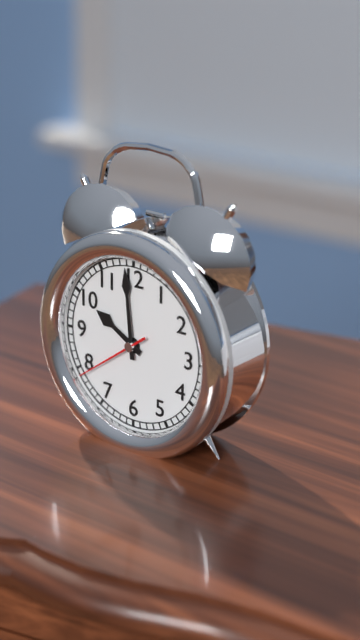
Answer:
9,59,39
